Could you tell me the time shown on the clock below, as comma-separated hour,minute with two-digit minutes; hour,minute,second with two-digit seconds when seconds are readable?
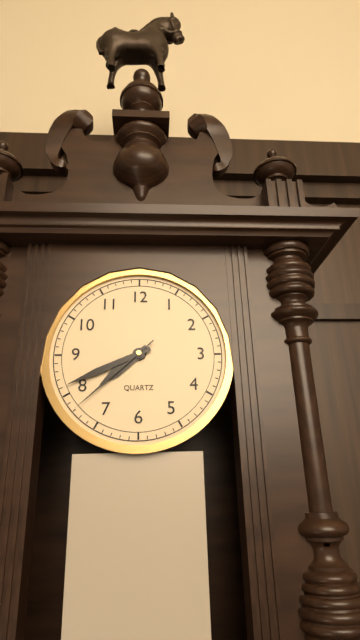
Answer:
7,41,38
